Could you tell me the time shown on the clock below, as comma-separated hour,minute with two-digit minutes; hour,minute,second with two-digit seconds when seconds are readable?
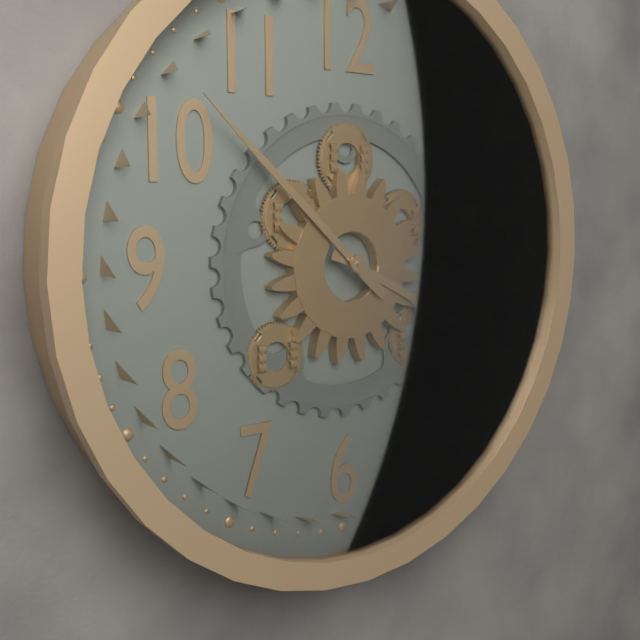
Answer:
3,52
